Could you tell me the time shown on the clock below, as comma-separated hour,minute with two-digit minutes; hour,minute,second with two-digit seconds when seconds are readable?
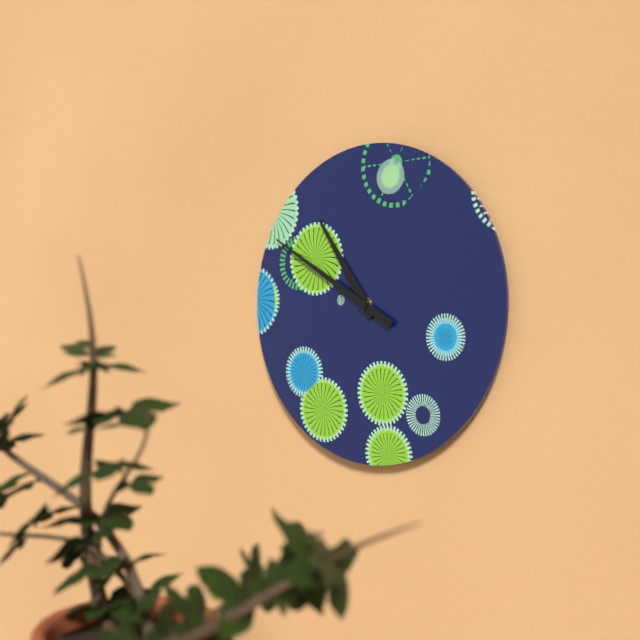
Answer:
10,50
